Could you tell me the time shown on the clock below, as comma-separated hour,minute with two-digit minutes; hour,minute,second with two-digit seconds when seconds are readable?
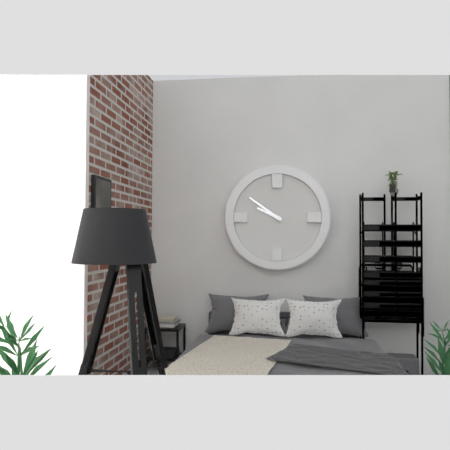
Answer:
9,51
